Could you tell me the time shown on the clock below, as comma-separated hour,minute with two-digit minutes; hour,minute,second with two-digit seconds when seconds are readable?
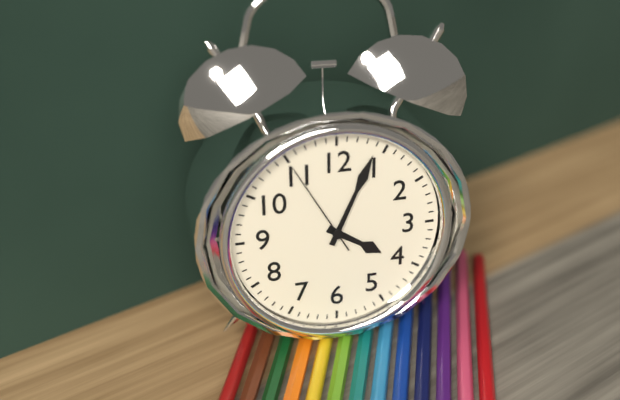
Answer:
4,04,55
